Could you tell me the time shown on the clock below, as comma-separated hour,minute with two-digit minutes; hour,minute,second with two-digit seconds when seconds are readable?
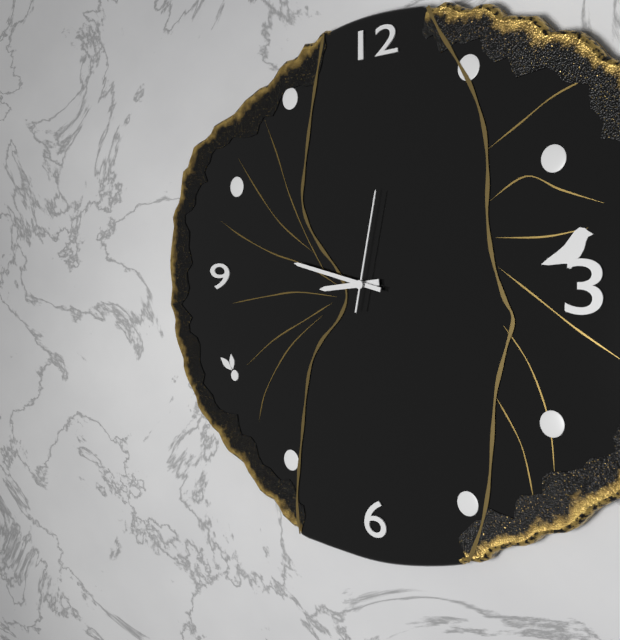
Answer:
8,47,02
